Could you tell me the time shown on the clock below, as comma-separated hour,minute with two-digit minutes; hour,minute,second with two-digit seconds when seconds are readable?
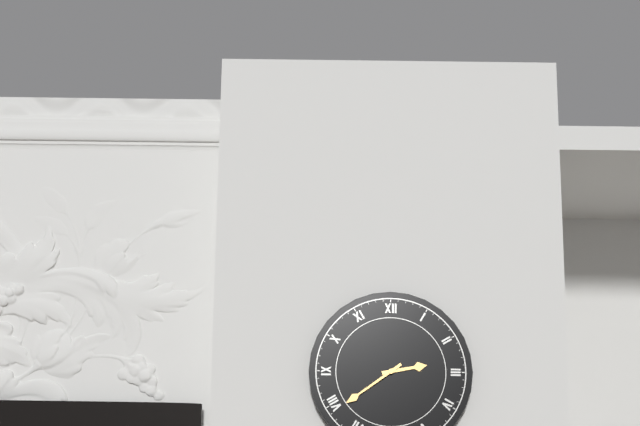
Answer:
2,39
